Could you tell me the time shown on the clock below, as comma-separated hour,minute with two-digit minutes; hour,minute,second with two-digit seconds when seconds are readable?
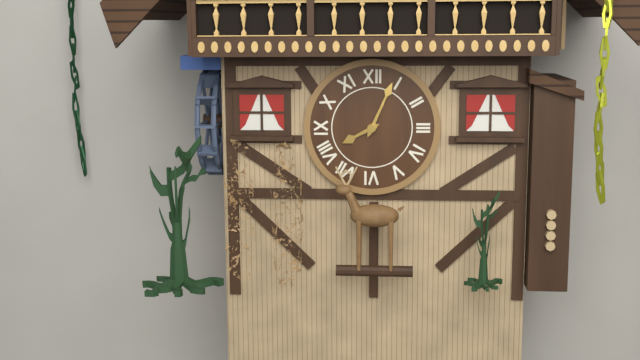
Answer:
8,04
